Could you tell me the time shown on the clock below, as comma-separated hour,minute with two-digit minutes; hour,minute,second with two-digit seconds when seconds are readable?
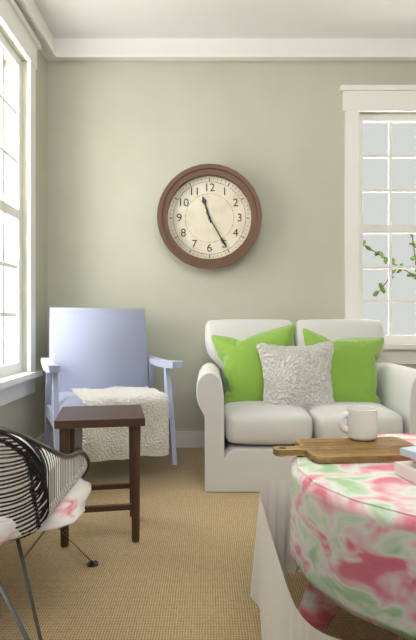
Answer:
11,25
